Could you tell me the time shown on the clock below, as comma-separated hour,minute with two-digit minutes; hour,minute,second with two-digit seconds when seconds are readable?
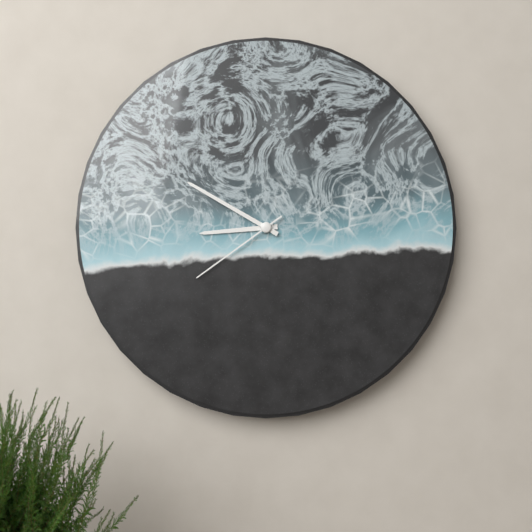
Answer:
8,50,39
